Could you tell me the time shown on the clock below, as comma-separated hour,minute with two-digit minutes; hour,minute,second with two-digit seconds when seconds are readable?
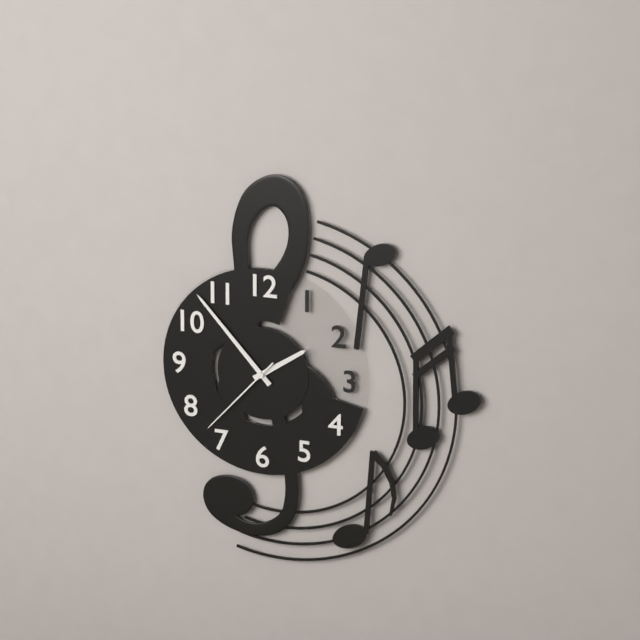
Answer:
1,53,37
